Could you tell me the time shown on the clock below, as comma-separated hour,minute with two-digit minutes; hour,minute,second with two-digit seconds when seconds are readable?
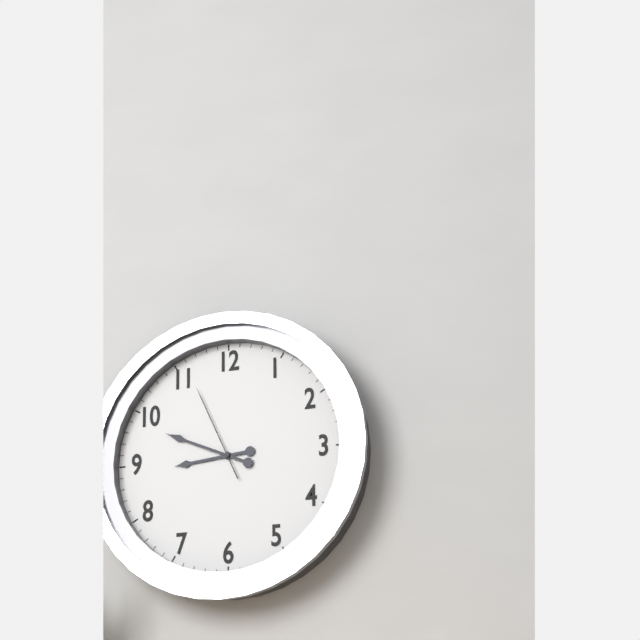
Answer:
8,49,56
